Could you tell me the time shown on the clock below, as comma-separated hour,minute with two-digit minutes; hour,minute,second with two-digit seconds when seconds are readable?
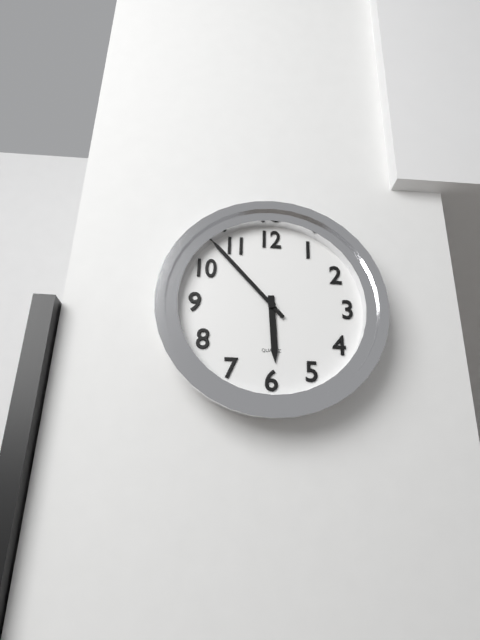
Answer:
5,53
